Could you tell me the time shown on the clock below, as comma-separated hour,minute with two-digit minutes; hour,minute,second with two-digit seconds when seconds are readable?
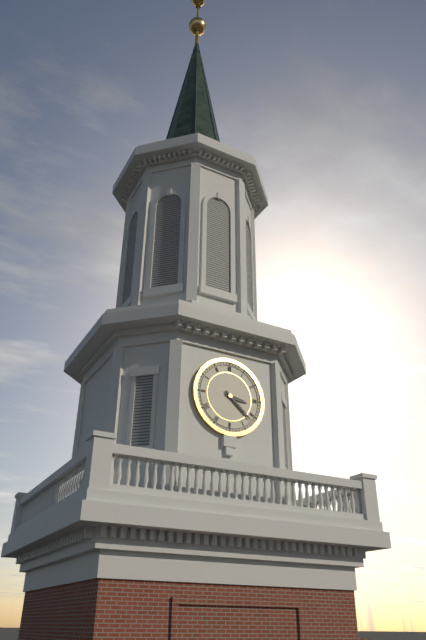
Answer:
3,22
